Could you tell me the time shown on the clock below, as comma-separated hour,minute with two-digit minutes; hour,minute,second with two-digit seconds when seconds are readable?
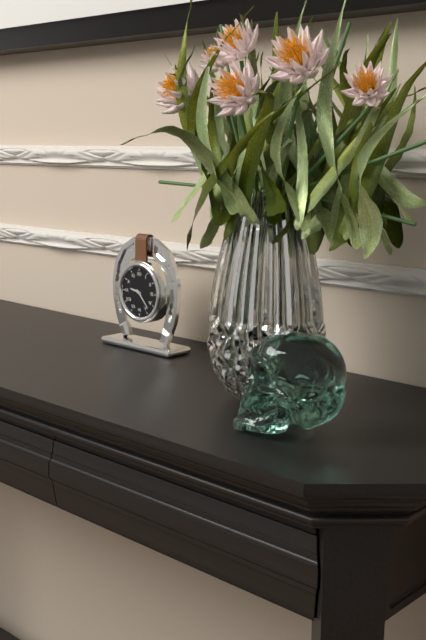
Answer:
9,23
